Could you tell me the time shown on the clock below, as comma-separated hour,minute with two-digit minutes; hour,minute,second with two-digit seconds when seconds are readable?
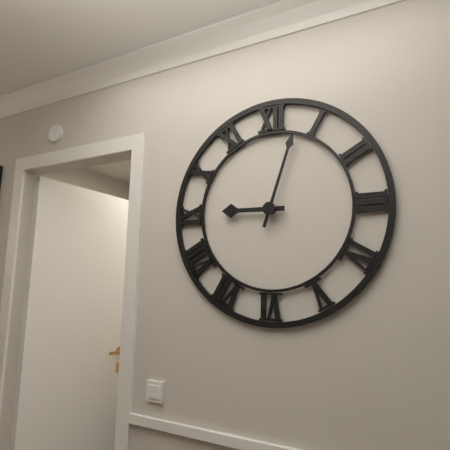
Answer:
9,03
